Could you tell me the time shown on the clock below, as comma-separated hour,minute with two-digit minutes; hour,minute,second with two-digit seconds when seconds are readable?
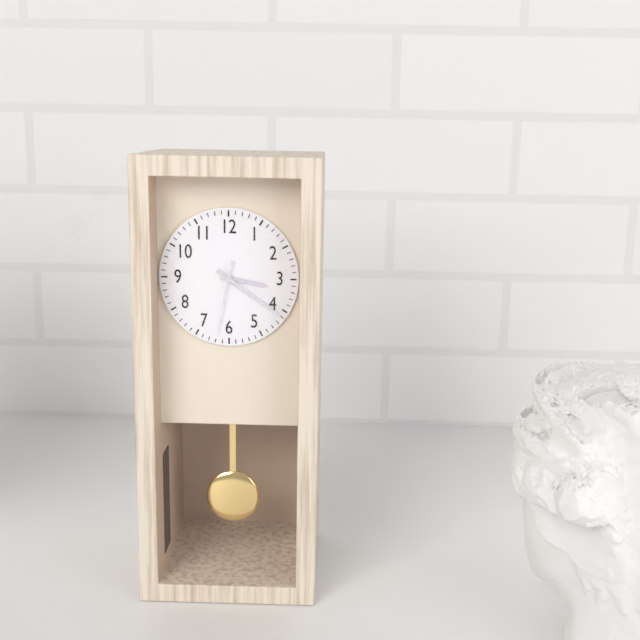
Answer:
3,21,32
